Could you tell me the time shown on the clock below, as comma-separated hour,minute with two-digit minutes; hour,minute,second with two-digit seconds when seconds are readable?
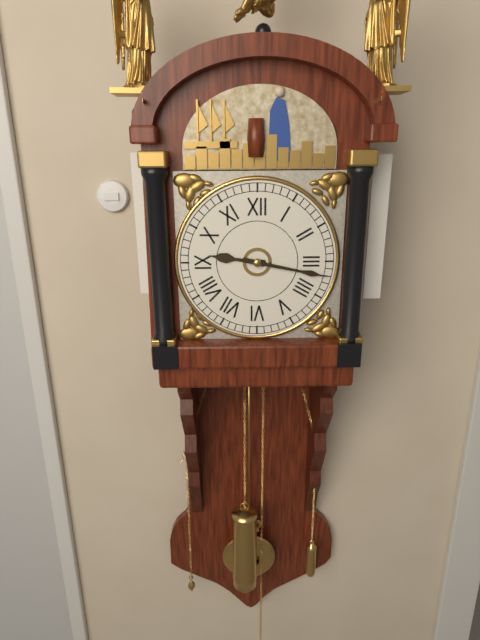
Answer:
9,17
